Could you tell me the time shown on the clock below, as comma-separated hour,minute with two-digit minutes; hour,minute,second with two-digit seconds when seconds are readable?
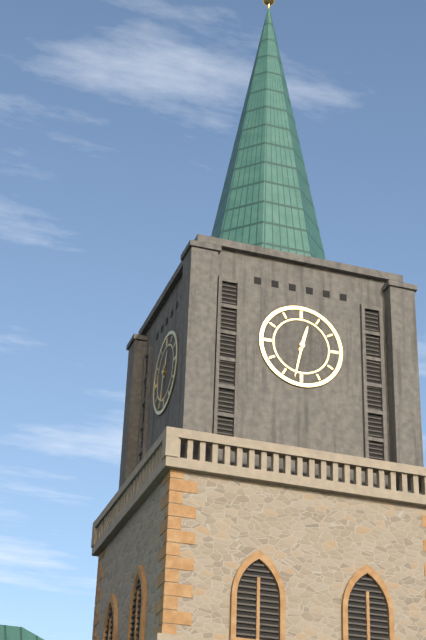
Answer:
12,32
